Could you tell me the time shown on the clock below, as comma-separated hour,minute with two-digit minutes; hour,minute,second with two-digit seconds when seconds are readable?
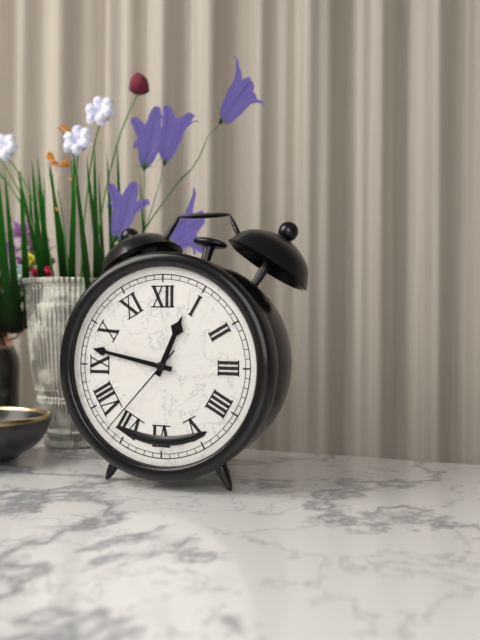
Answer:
12,47,37
